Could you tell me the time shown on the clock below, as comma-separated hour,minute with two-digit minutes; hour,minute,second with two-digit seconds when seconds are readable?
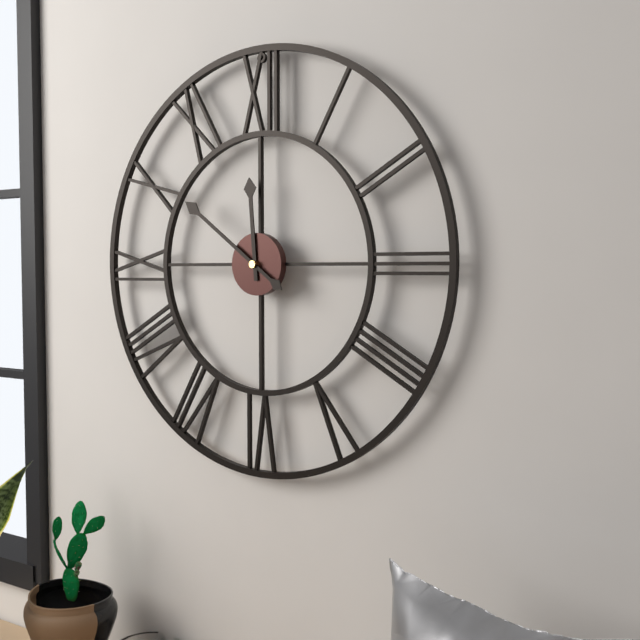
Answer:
11,51
